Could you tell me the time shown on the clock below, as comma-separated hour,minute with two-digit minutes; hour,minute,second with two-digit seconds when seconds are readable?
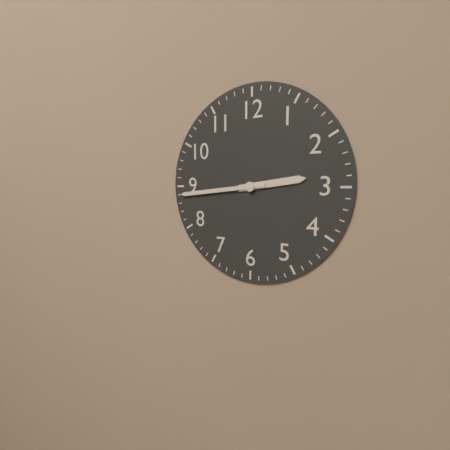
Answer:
2,44
